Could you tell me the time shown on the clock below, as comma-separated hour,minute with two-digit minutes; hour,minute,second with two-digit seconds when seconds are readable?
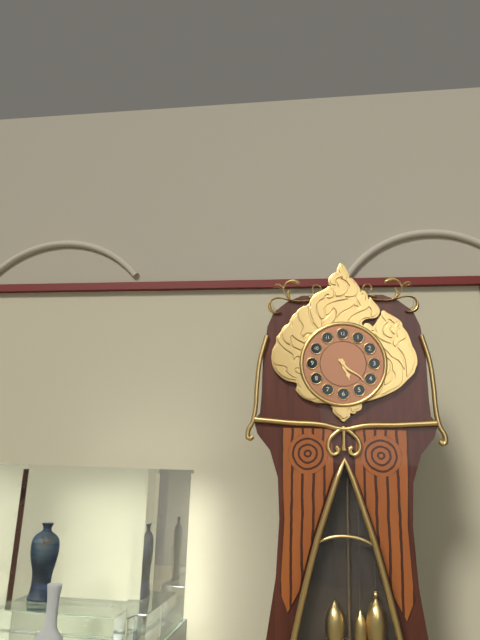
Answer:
5,22
